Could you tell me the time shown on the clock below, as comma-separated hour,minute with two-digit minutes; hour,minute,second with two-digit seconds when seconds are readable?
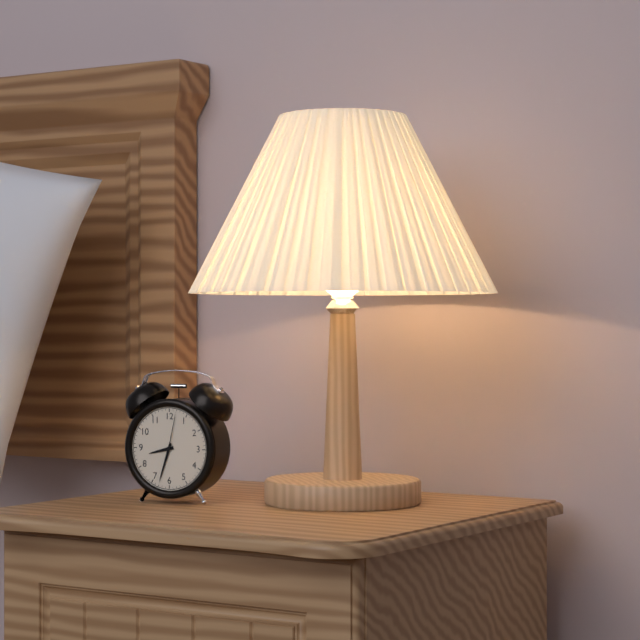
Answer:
8,33
